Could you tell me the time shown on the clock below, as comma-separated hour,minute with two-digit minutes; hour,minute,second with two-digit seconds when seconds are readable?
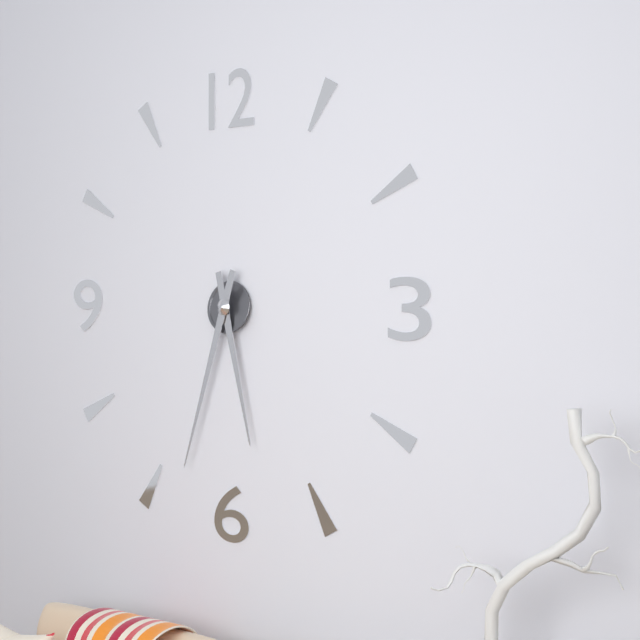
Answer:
5,33
